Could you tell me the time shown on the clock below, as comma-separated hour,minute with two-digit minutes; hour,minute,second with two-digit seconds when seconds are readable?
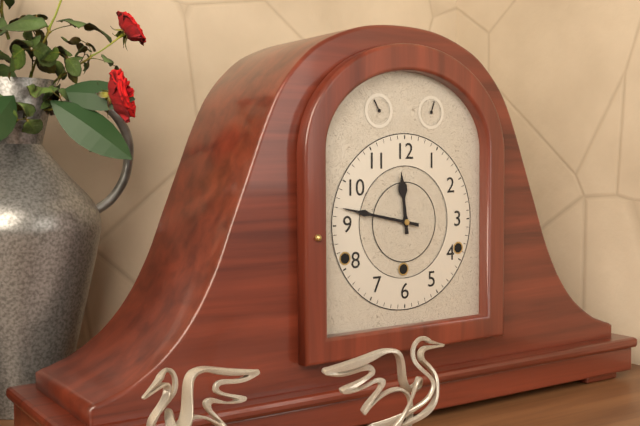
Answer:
11,47
